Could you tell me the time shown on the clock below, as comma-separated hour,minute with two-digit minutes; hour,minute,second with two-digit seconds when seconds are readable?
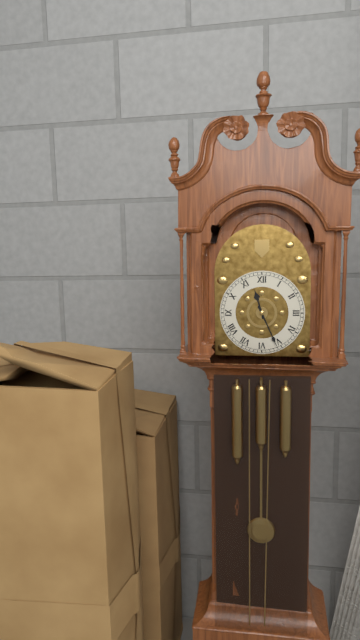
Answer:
11,26
